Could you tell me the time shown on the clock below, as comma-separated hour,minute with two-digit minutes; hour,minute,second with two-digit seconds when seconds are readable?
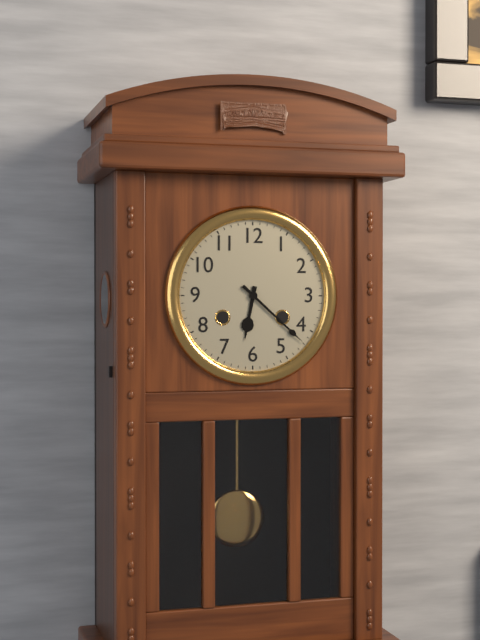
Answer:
6,22
